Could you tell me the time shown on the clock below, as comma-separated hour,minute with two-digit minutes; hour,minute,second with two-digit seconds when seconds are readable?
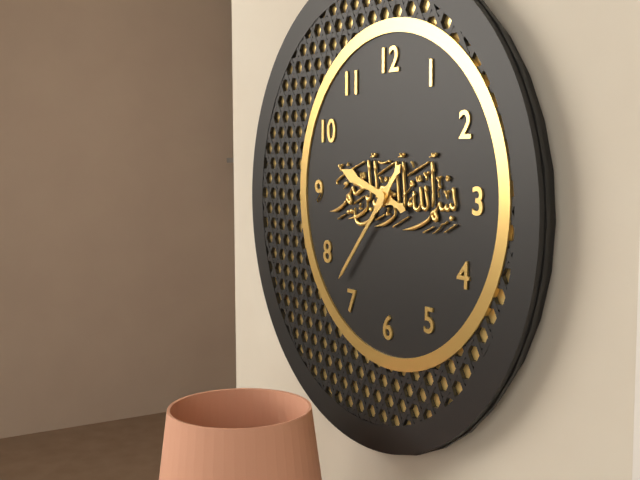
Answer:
9,37
